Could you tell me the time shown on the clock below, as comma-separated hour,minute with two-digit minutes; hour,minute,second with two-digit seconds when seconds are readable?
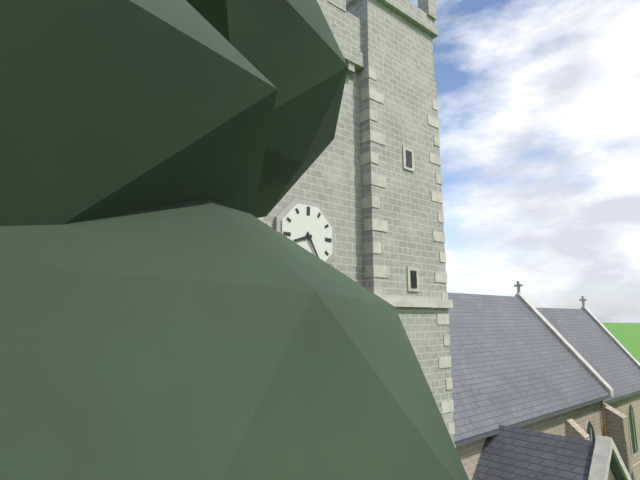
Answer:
8,25
